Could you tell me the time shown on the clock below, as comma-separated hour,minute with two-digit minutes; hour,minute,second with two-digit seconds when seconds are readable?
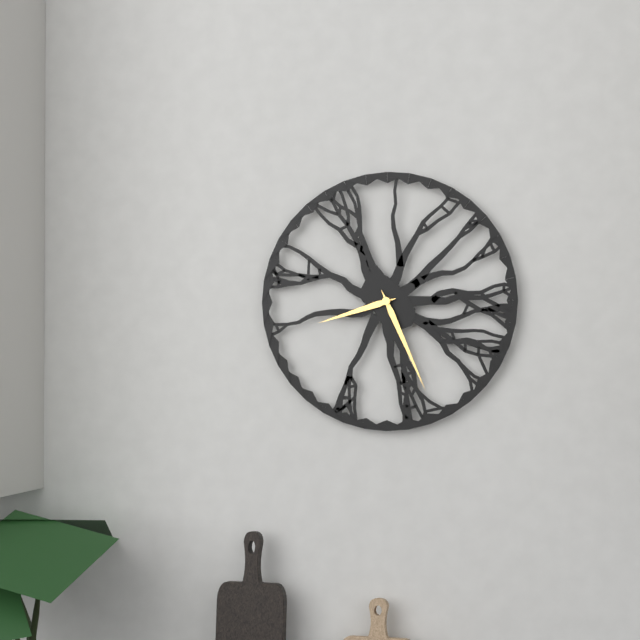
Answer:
8,26
